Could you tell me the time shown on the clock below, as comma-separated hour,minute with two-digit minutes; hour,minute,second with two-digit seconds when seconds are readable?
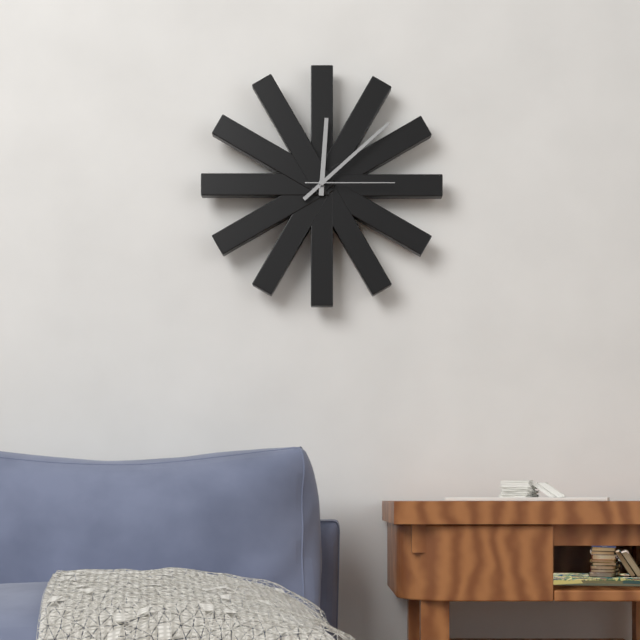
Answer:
12,08,15
